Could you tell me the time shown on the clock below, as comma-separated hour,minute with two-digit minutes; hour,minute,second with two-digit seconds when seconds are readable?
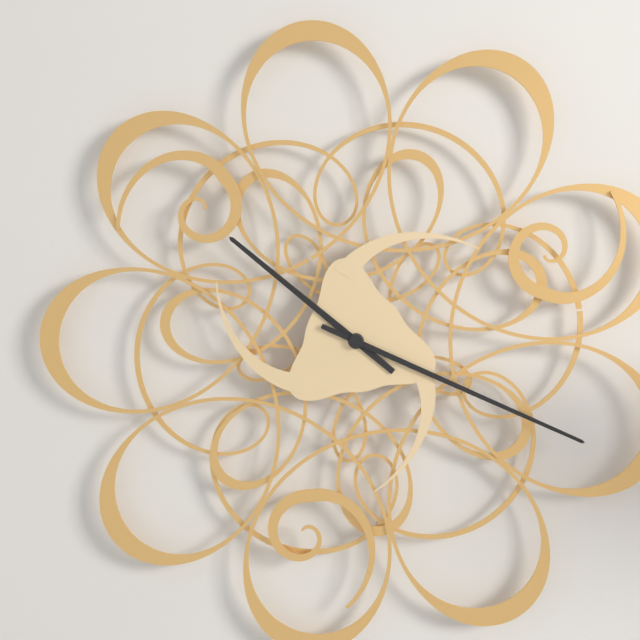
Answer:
10,19
